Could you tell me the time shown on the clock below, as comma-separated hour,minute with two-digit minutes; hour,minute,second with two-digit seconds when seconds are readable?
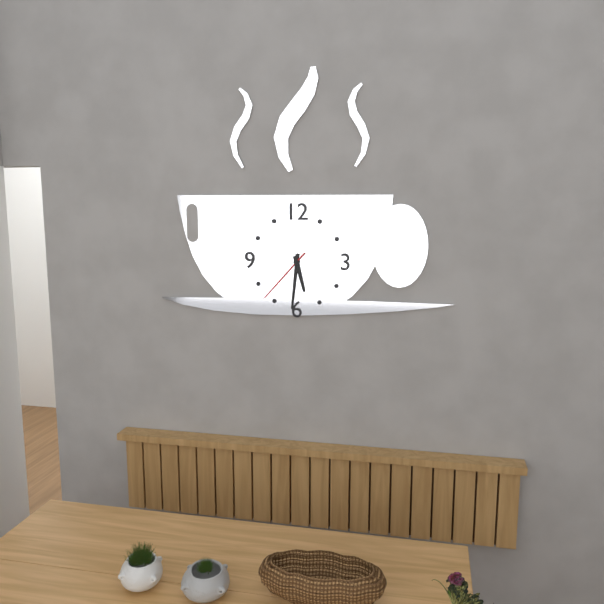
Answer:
5,31,37
